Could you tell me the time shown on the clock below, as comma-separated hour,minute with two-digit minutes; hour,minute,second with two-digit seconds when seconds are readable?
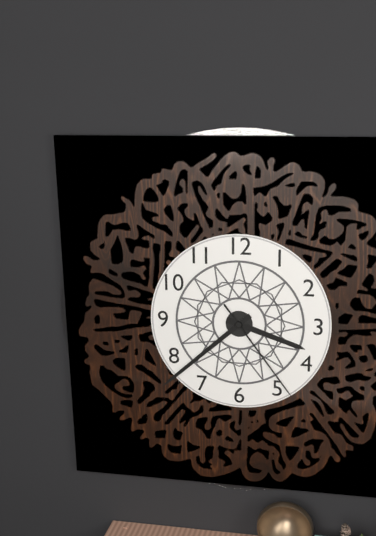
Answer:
3,38,24
